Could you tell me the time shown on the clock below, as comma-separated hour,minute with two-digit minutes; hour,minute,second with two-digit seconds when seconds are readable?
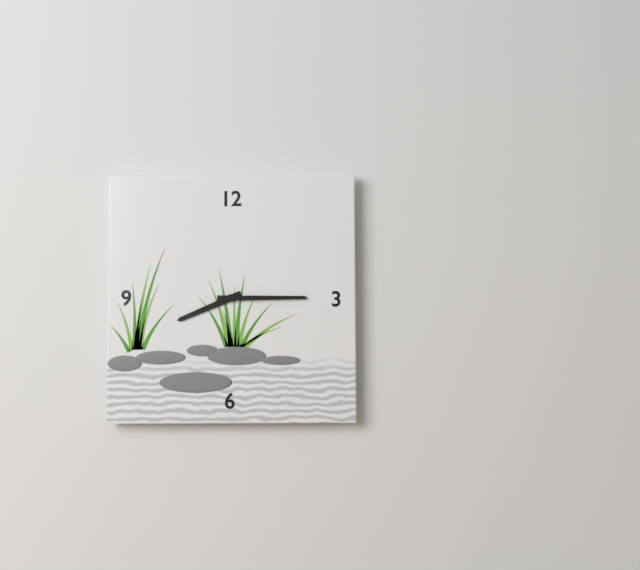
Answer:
8,15
